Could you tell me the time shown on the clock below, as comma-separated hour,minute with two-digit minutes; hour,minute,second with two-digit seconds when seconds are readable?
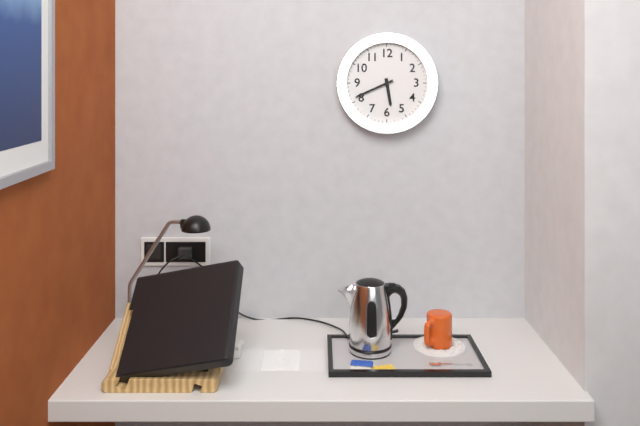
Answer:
5,41
